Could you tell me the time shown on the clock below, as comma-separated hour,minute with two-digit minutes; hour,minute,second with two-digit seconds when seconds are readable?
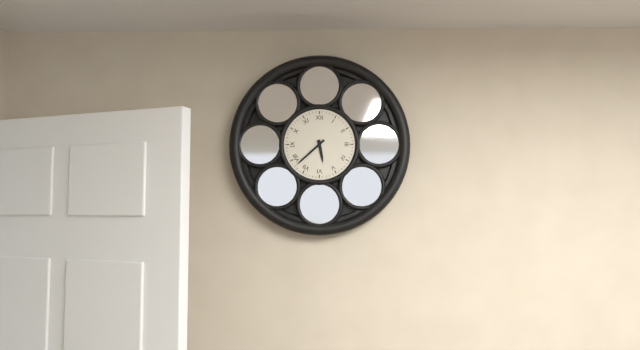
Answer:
5,38
